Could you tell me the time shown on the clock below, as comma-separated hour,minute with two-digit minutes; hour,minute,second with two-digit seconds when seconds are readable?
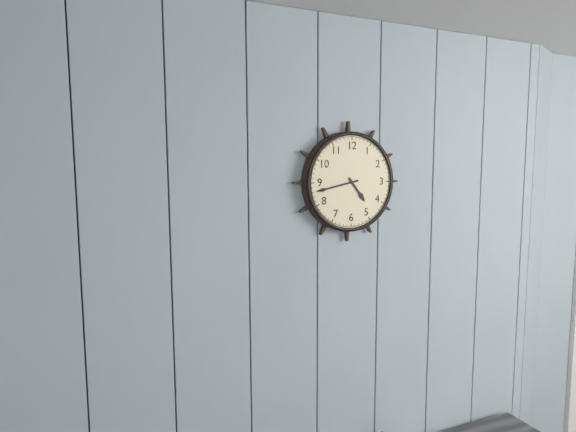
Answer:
4,43
